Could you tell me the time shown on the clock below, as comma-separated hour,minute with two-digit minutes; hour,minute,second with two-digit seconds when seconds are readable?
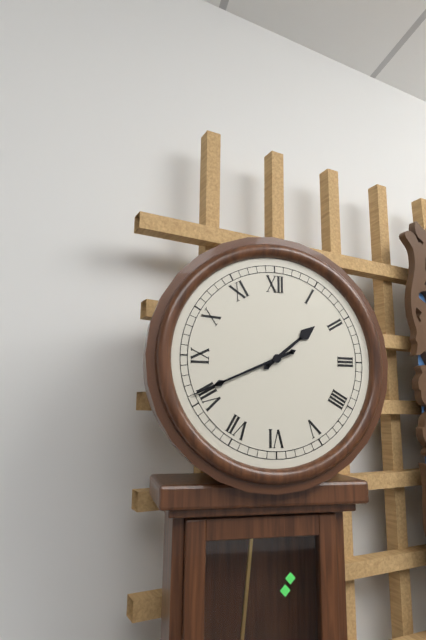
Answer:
1,41
